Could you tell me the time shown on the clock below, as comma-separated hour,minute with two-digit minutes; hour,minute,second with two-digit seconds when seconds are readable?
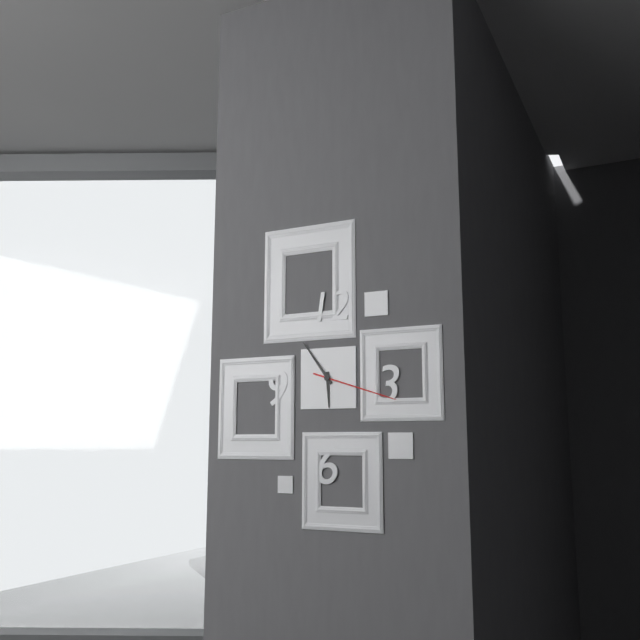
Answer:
5,54,18
